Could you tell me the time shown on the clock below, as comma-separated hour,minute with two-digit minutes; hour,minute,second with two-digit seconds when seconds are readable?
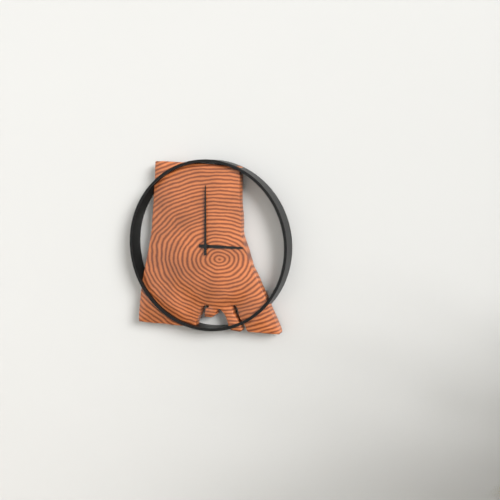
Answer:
3,00
